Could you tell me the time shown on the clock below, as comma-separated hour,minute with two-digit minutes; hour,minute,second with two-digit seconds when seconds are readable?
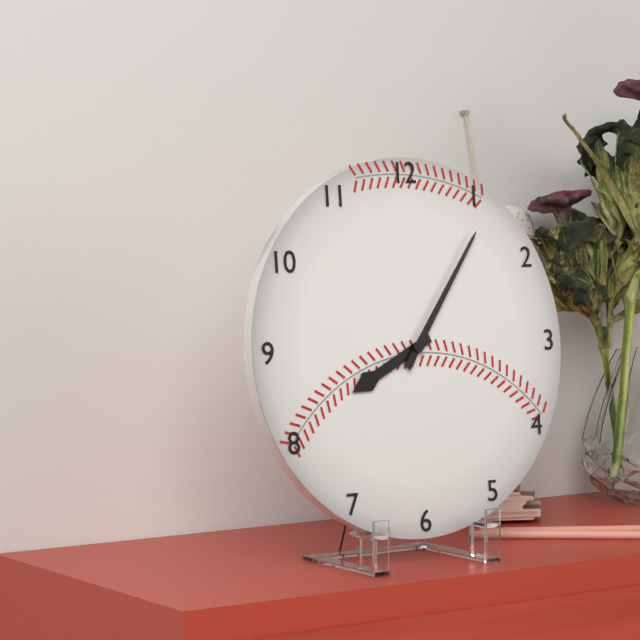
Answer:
8,06
